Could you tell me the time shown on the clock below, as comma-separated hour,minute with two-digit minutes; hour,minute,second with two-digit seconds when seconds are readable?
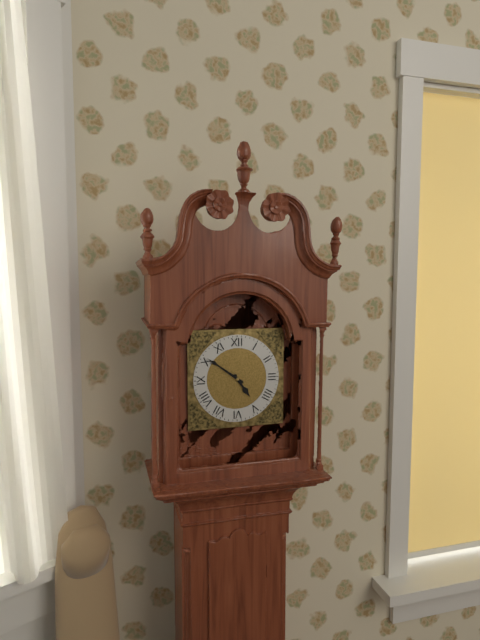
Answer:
4,51
